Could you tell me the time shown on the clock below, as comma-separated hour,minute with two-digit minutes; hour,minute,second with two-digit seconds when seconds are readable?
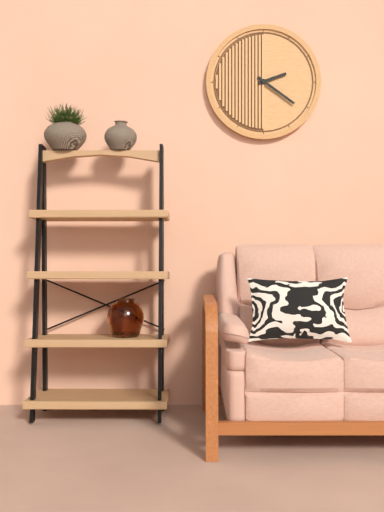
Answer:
2,21
